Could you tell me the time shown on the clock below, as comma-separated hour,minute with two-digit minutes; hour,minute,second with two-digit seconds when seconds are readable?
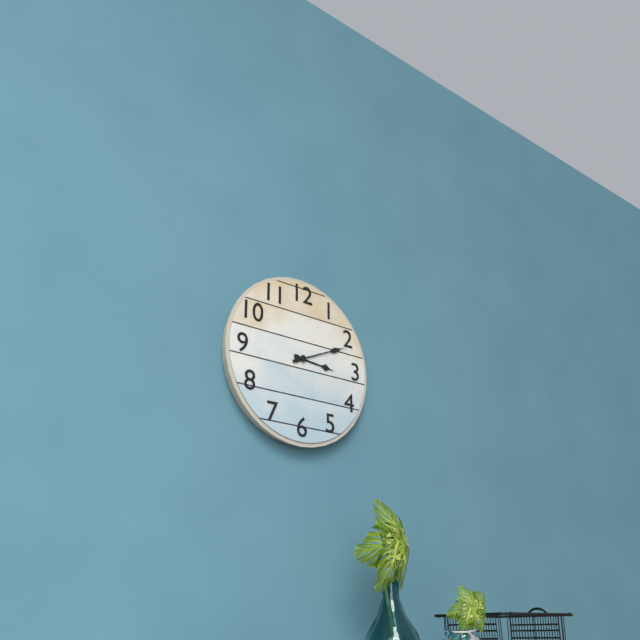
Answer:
3,11
